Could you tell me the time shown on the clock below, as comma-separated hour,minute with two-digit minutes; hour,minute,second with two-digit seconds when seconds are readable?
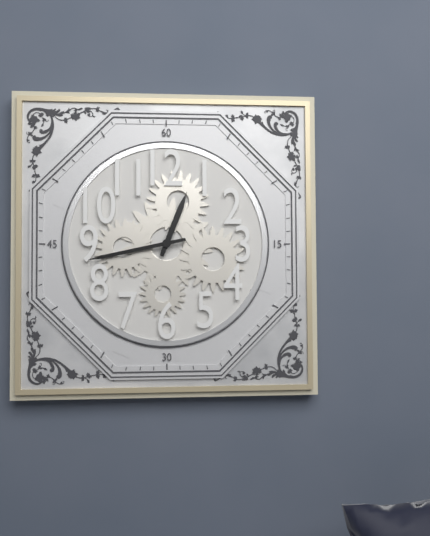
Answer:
12,43
